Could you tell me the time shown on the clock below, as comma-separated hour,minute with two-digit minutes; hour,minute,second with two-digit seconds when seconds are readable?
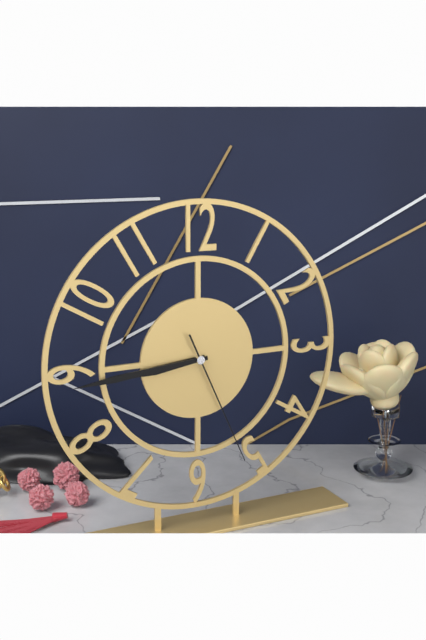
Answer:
8,44,26
